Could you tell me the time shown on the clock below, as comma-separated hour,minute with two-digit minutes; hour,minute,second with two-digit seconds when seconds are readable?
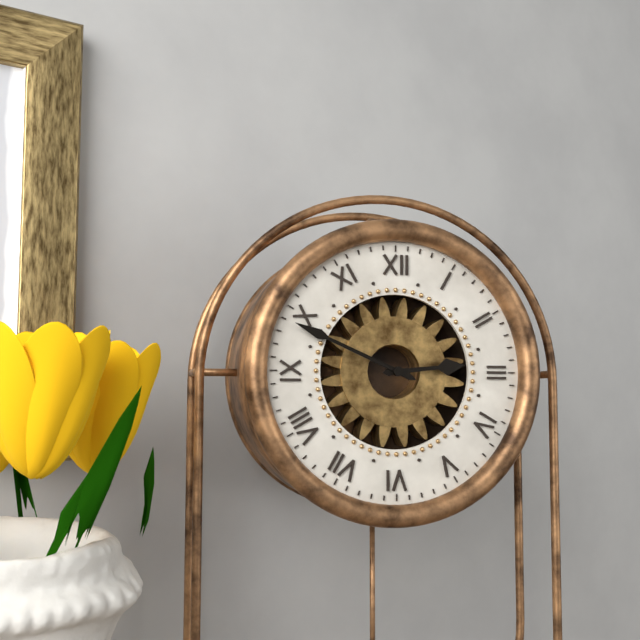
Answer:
2,49
